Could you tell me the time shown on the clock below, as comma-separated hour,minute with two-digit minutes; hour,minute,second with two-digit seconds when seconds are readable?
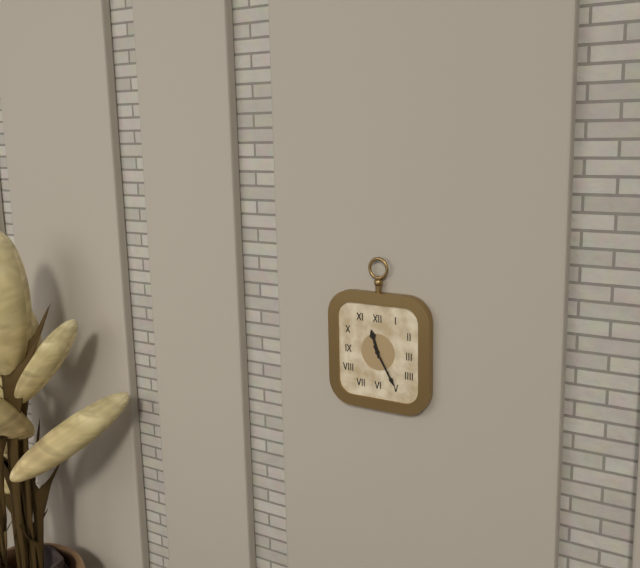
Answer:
11,25
